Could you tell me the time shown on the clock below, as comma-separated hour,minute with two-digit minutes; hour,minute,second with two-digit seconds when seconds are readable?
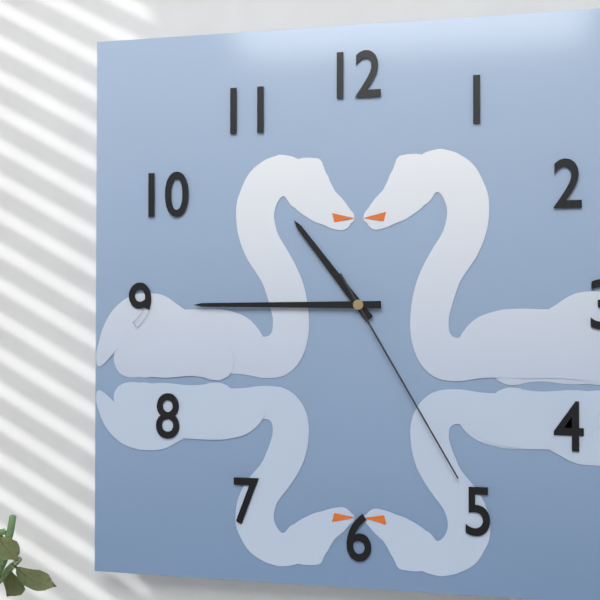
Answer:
10,45,25
